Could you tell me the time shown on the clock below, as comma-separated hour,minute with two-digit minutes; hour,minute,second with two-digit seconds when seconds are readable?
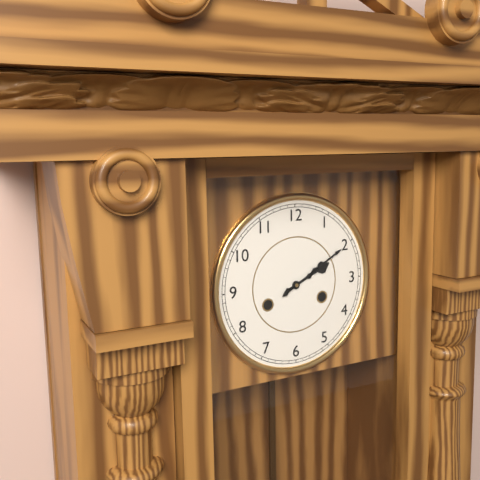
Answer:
2,10
